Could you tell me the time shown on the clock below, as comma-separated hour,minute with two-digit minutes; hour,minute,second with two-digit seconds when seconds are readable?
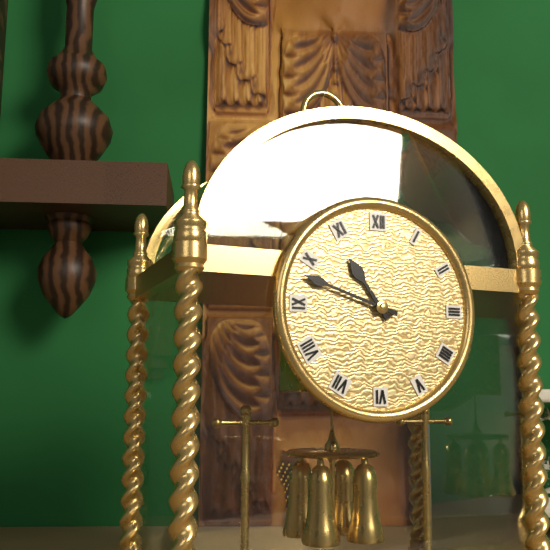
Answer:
10,48
